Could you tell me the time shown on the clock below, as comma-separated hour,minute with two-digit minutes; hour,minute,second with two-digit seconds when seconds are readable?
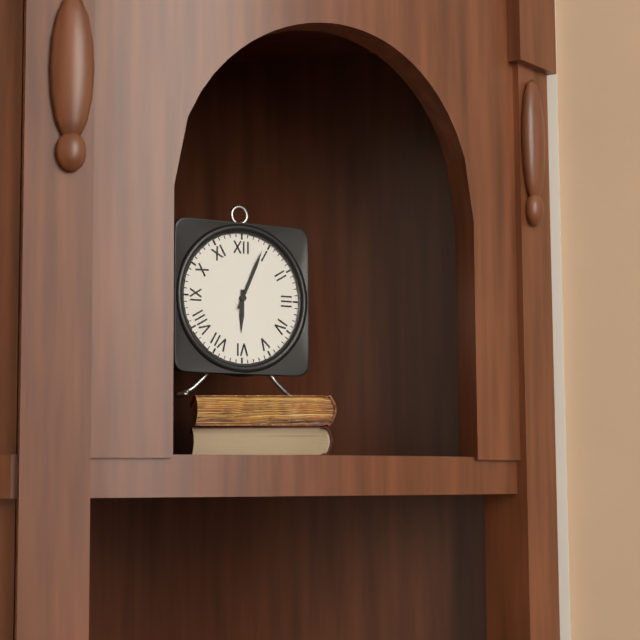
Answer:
6,04
